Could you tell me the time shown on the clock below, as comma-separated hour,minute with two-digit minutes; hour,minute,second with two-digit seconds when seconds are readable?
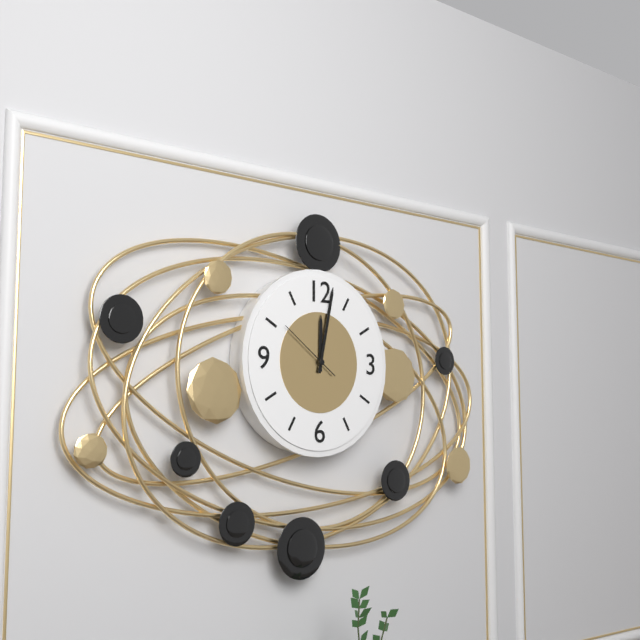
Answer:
12,02,51
